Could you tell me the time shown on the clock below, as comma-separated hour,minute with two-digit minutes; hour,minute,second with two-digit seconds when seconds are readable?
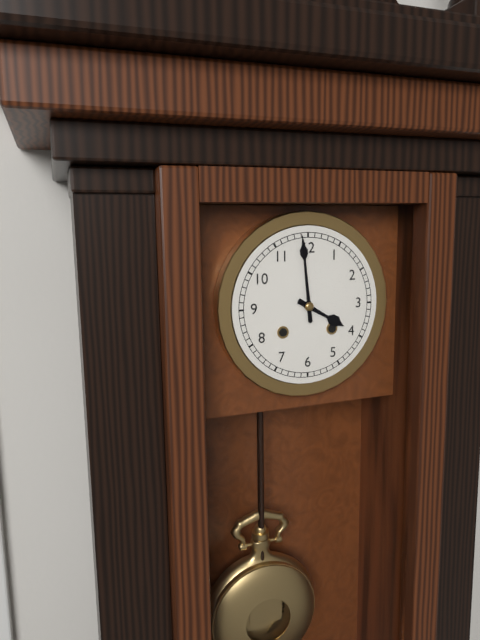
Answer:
3,59
